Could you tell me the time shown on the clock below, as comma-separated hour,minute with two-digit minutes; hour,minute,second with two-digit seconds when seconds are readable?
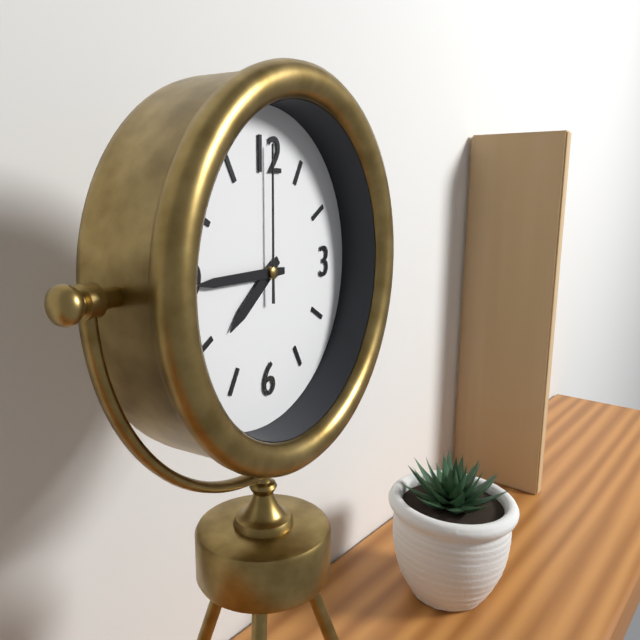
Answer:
7,45,00
